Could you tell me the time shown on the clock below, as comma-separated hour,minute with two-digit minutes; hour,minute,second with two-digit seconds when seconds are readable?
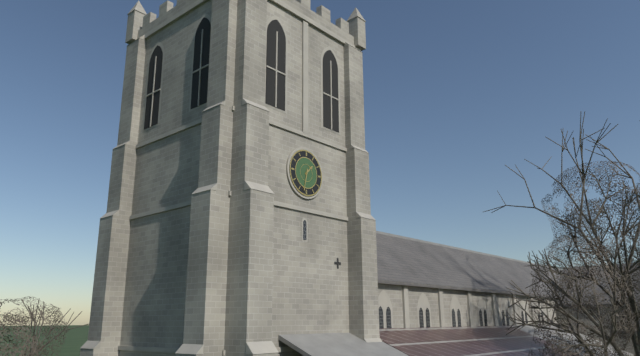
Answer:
1,32
